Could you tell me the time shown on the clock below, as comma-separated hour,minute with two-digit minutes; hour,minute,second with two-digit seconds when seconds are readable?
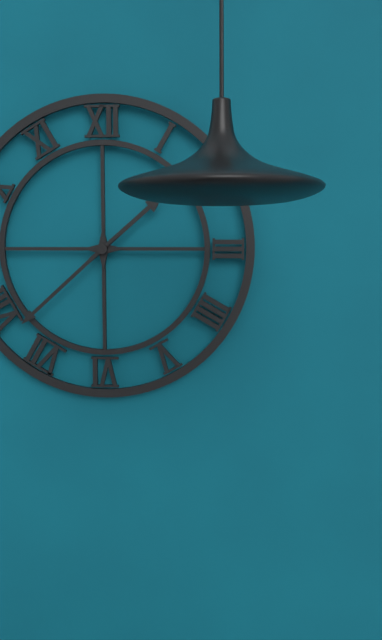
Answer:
1,38
